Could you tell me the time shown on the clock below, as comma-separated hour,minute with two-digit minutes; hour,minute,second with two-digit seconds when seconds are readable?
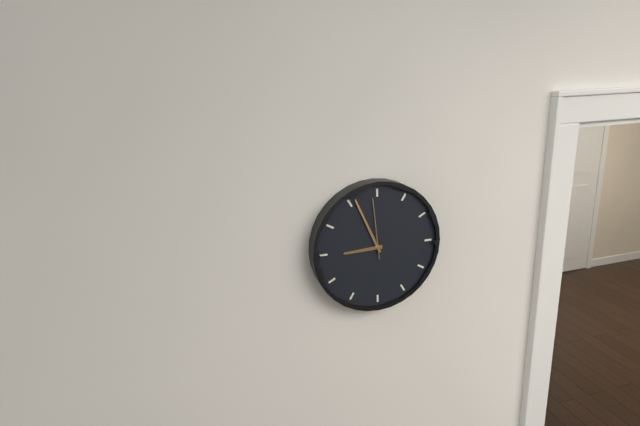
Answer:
8,56,59
